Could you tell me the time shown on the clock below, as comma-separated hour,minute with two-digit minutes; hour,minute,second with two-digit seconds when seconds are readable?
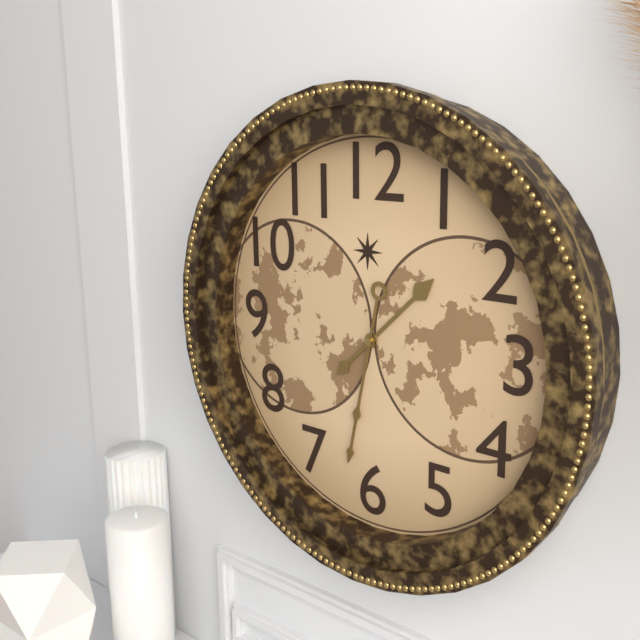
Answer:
1,32
